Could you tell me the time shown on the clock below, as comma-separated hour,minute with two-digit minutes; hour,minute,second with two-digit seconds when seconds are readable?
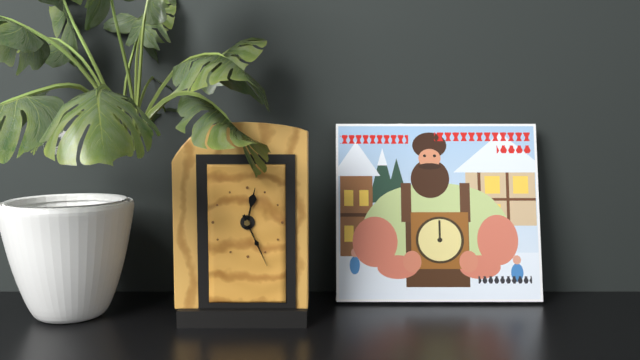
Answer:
12,26
